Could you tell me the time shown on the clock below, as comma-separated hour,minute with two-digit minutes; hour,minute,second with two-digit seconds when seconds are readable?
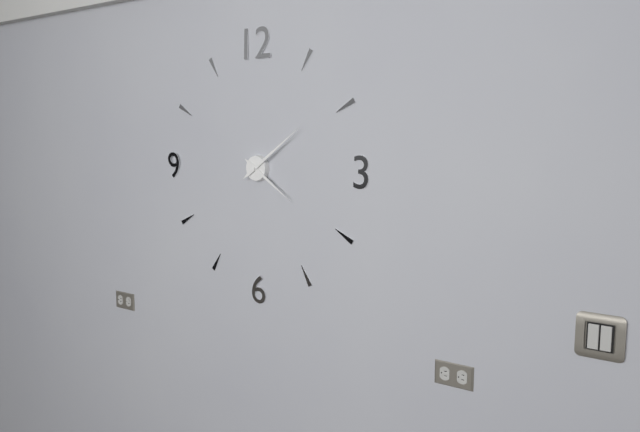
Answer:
4,09
